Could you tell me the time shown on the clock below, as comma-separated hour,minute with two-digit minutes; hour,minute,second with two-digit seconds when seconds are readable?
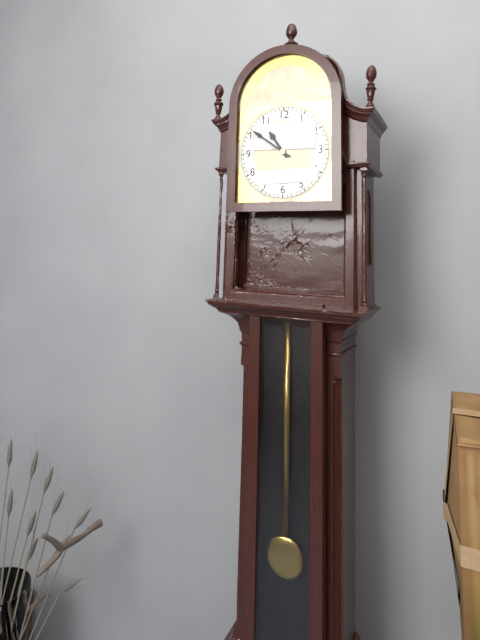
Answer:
10,51
